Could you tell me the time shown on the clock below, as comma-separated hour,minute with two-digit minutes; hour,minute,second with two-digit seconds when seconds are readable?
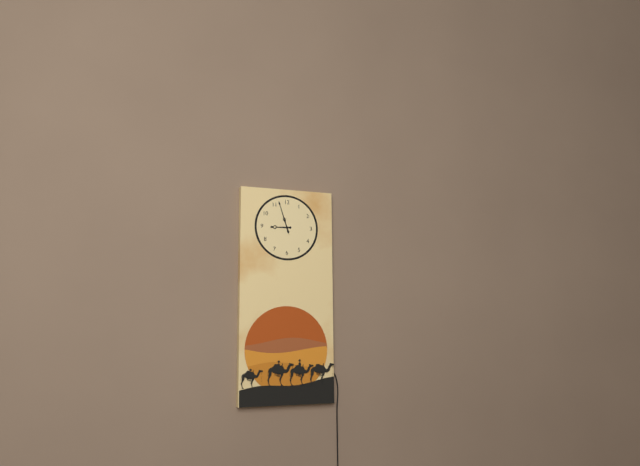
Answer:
8,57
